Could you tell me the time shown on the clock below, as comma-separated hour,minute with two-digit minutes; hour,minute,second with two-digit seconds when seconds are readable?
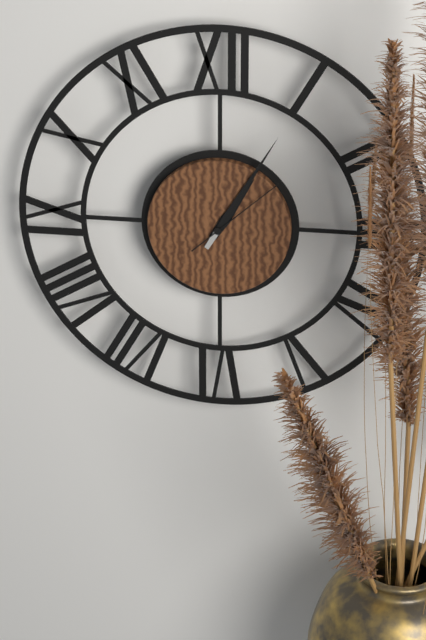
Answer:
1,05,08
